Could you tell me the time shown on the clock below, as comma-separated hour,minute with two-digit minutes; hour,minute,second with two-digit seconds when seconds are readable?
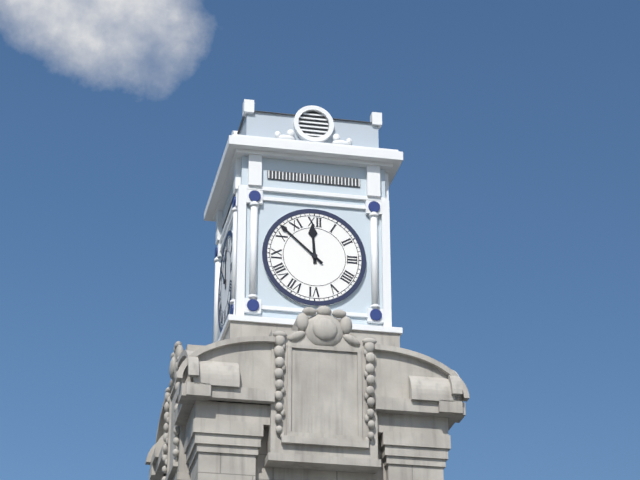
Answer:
11,52
